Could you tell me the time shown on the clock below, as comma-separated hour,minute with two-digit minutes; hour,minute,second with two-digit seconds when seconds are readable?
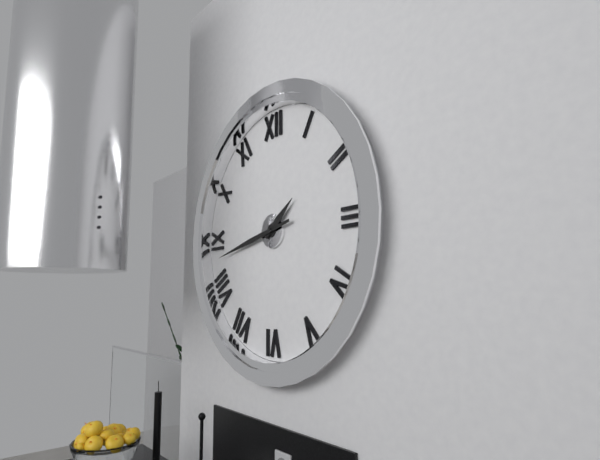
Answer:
1,43
